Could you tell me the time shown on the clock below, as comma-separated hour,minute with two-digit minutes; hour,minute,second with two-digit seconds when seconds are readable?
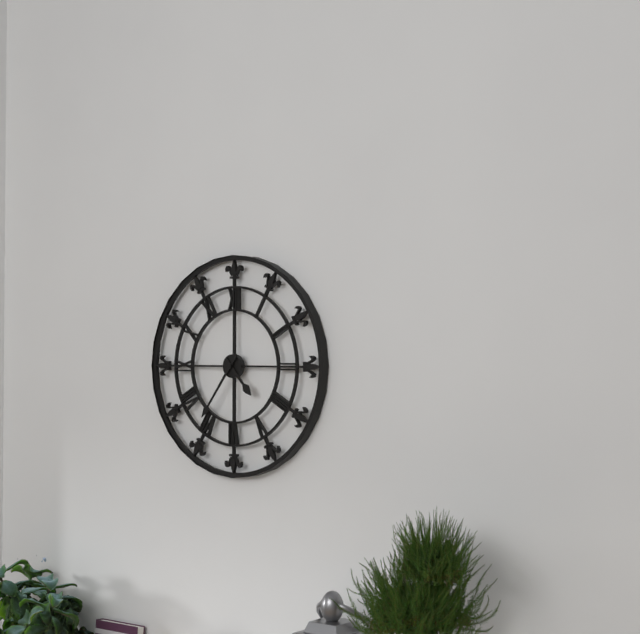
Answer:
4,36
